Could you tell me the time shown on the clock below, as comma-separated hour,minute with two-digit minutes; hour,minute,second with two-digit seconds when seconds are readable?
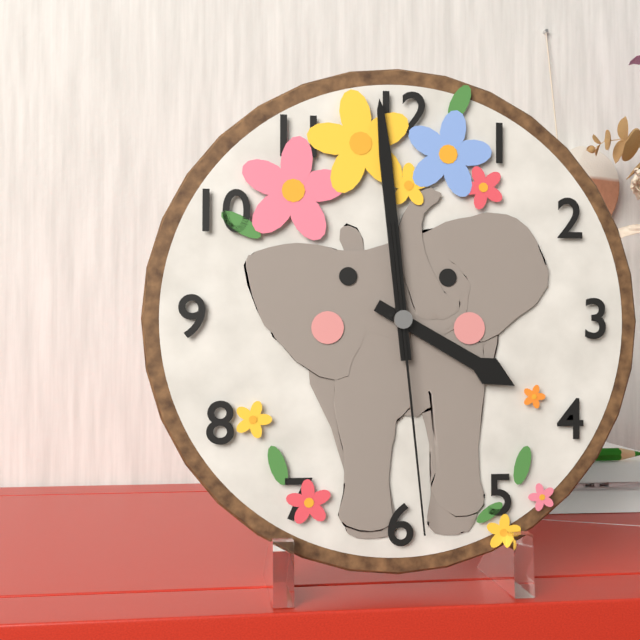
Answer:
3,59,29
